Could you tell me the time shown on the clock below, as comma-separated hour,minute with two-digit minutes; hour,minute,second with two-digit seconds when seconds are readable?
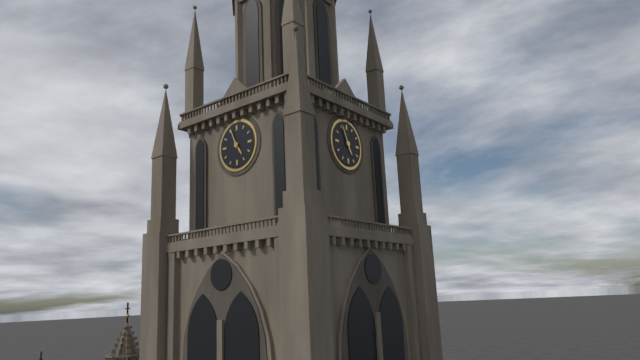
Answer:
4,56
